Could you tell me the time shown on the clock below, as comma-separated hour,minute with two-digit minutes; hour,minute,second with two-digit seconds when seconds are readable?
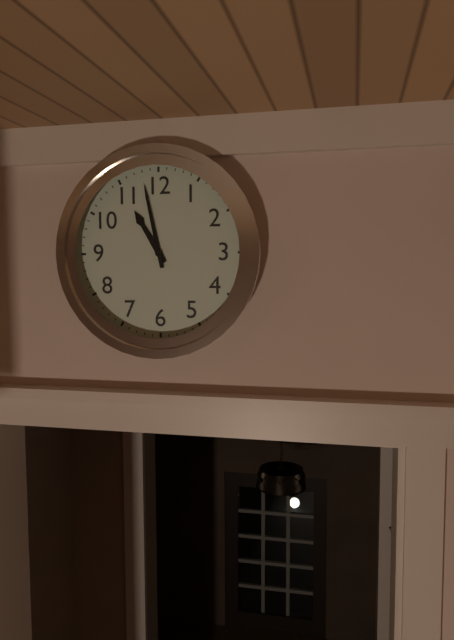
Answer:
10,58
